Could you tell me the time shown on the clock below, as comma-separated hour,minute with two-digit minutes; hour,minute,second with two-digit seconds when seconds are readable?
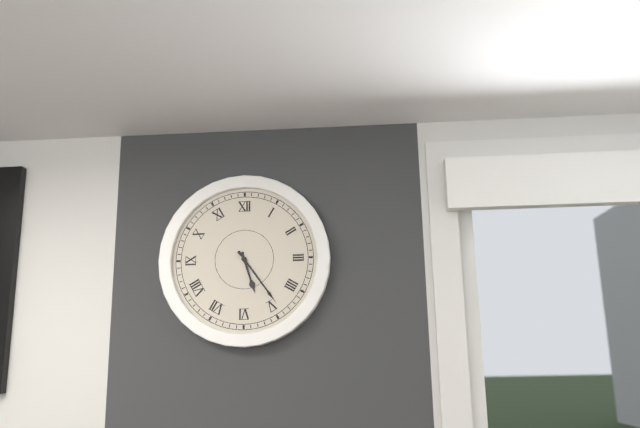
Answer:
5,24
